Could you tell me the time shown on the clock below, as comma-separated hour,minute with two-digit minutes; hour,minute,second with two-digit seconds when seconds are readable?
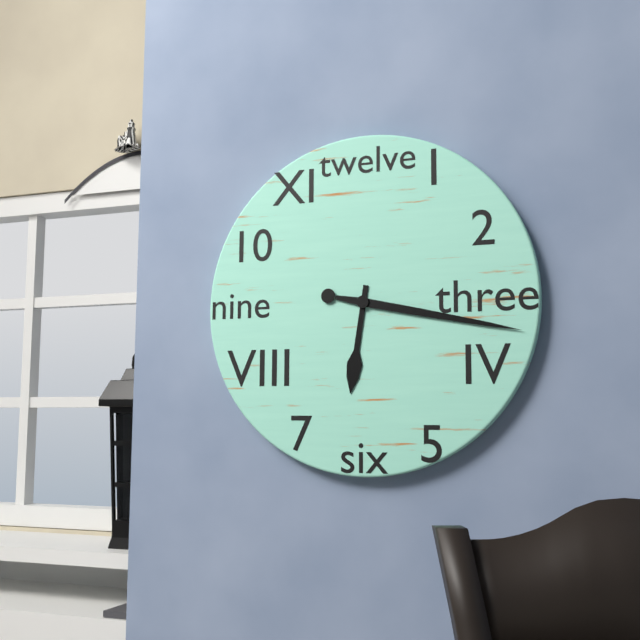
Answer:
6,17
